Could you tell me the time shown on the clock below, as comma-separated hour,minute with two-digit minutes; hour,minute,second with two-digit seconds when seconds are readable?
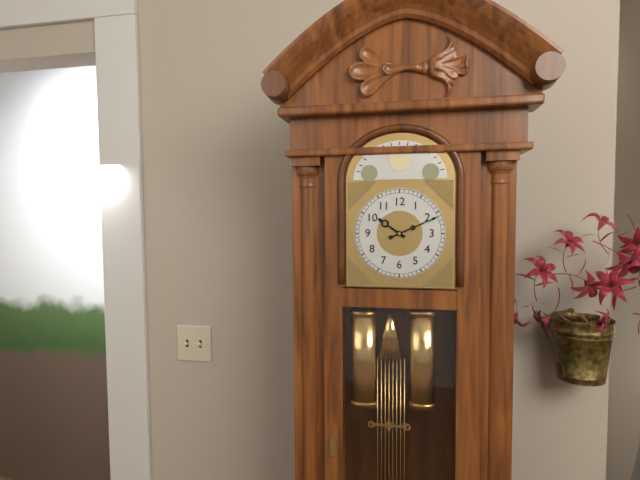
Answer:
10,11
